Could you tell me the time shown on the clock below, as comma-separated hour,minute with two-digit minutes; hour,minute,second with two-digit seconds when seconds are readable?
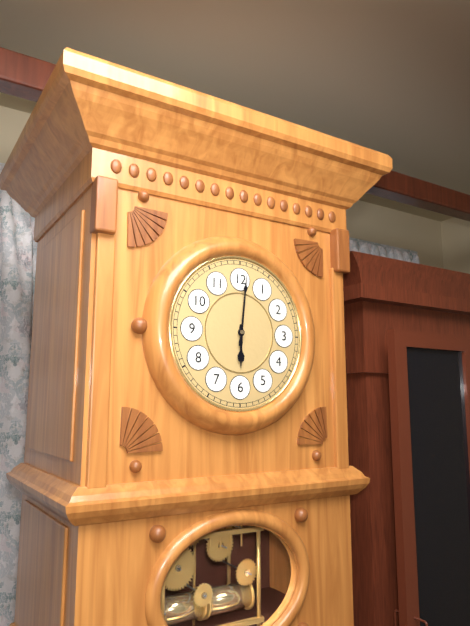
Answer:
6,01
